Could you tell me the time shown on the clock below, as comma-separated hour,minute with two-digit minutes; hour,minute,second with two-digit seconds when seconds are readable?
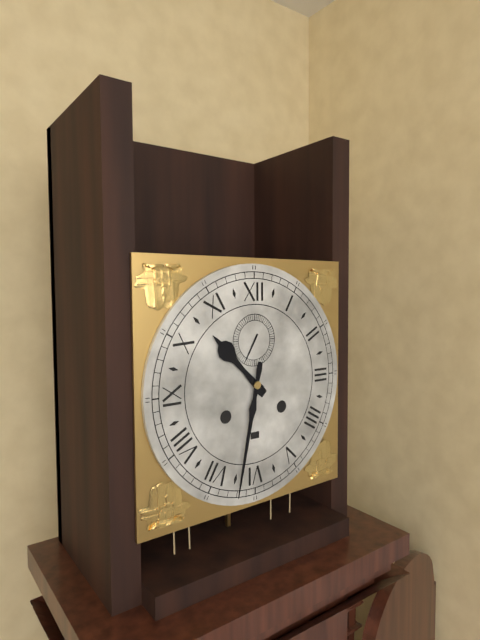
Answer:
10,32
